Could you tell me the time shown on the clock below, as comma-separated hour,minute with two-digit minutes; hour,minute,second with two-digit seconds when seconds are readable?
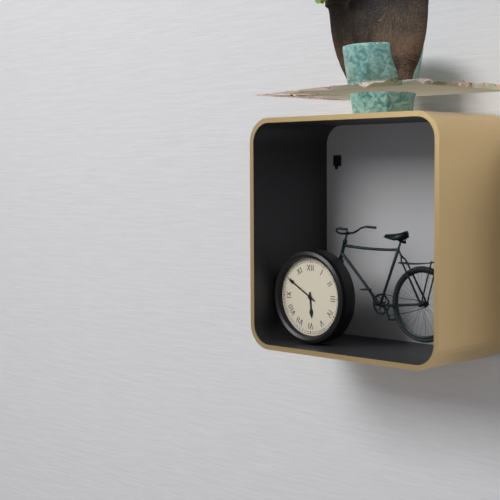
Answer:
5,50
